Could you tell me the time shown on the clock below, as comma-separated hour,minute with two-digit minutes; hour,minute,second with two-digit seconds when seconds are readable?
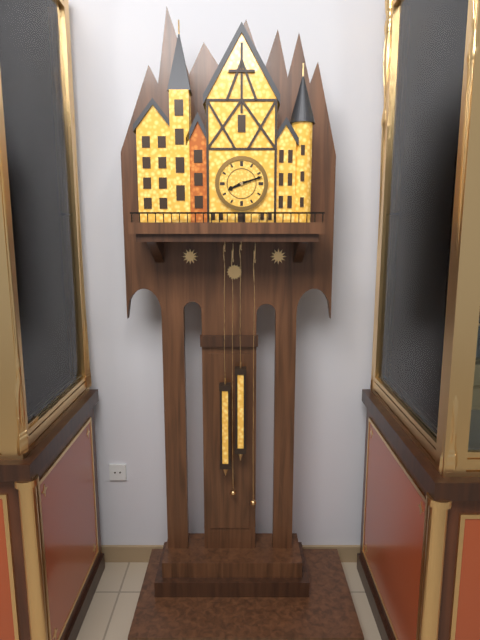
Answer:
8,12
